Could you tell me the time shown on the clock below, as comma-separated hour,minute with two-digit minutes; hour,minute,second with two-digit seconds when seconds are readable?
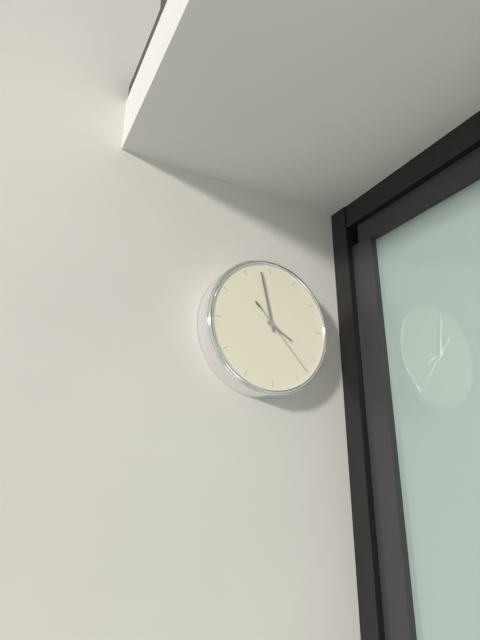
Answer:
3,58,23
